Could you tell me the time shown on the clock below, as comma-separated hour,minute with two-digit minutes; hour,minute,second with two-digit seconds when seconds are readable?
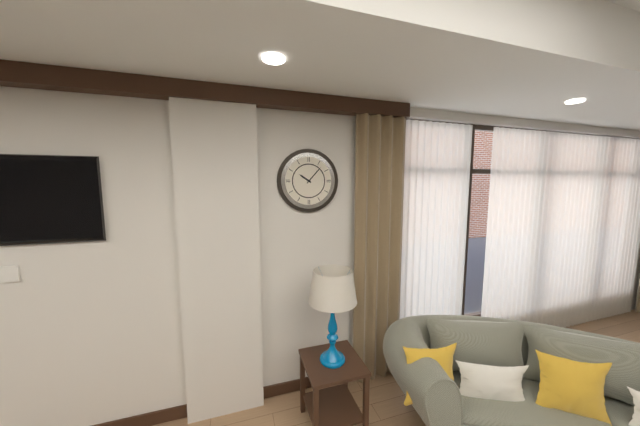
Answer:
10,07
